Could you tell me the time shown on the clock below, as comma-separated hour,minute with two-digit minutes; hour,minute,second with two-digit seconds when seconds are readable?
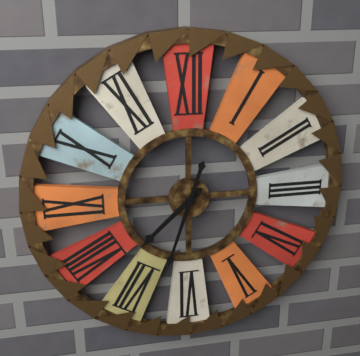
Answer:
7,33
